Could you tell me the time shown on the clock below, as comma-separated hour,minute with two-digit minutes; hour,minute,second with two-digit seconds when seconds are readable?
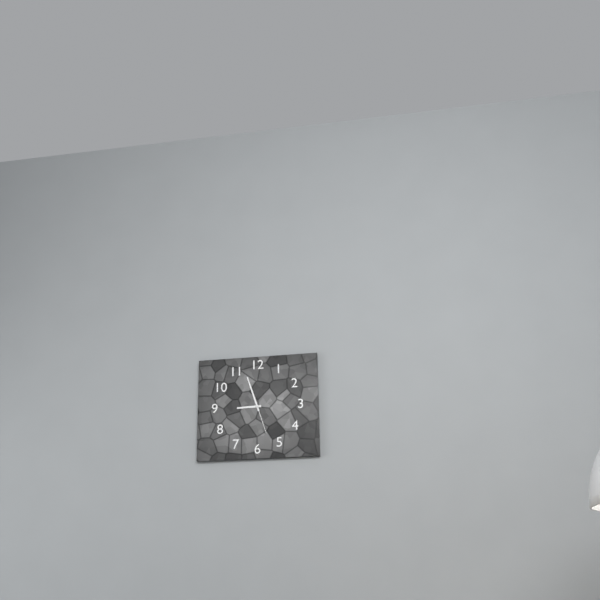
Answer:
8,57
